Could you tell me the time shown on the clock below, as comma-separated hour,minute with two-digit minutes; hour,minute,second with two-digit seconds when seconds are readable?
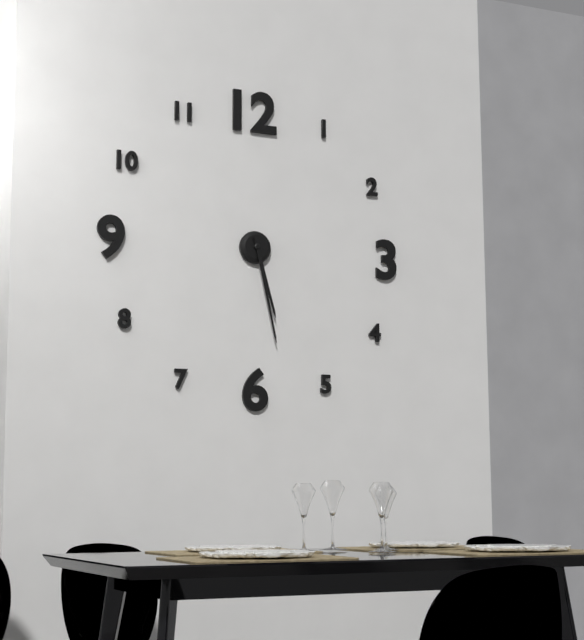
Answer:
5,28
